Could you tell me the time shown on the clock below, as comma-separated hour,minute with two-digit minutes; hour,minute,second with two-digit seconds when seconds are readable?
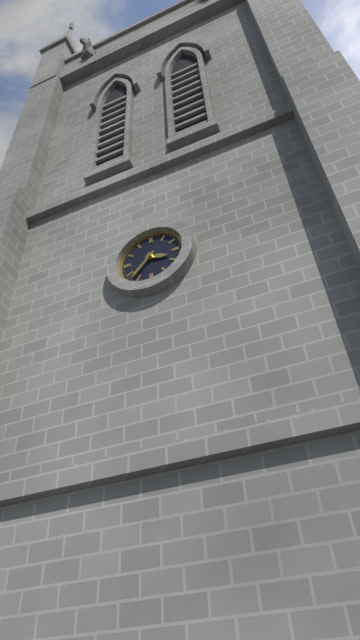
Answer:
3,37
